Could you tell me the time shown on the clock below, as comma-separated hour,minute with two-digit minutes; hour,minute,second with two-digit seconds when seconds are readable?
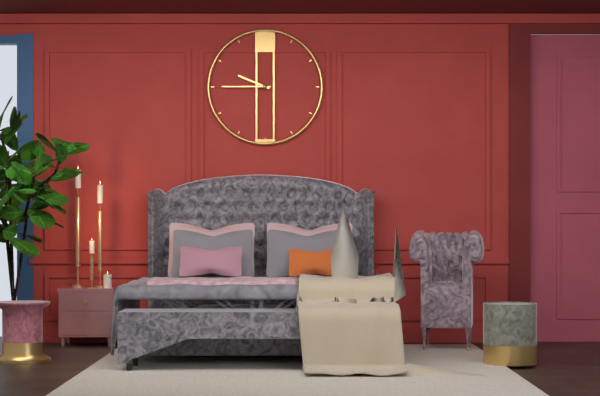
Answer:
9,45
